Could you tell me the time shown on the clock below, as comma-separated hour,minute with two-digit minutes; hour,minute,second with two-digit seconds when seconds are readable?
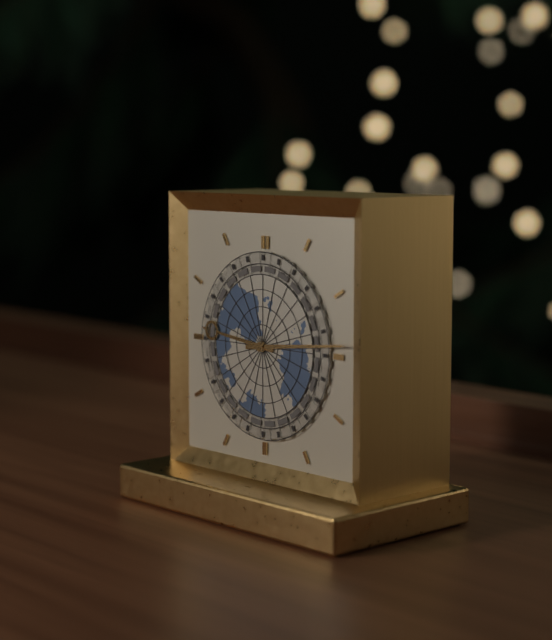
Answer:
9,14
